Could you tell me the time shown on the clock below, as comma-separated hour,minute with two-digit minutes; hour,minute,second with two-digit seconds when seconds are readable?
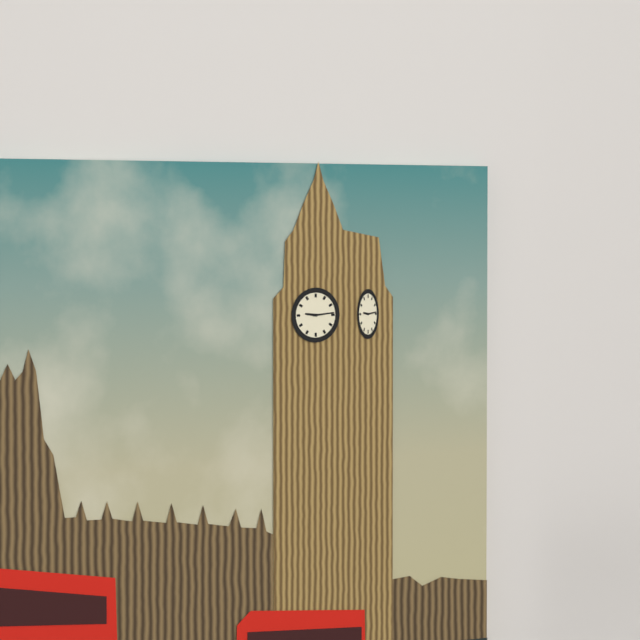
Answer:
9,14
